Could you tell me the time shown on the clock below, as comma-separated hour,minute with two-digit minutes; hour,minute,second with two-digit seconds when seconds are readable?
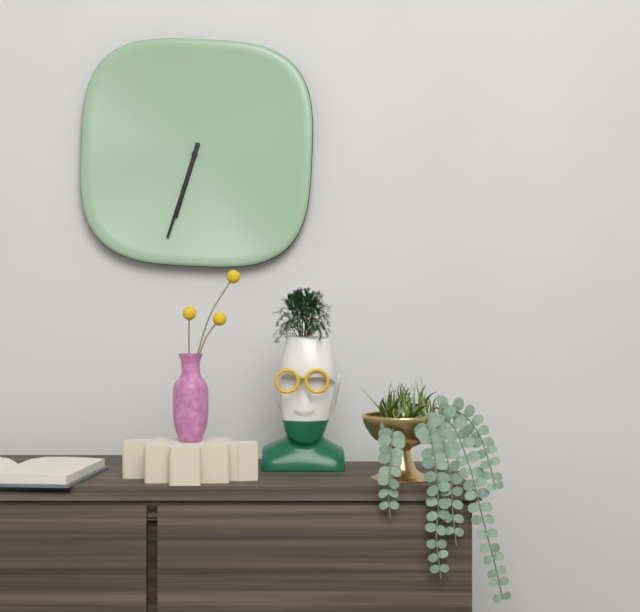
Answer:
6,33
